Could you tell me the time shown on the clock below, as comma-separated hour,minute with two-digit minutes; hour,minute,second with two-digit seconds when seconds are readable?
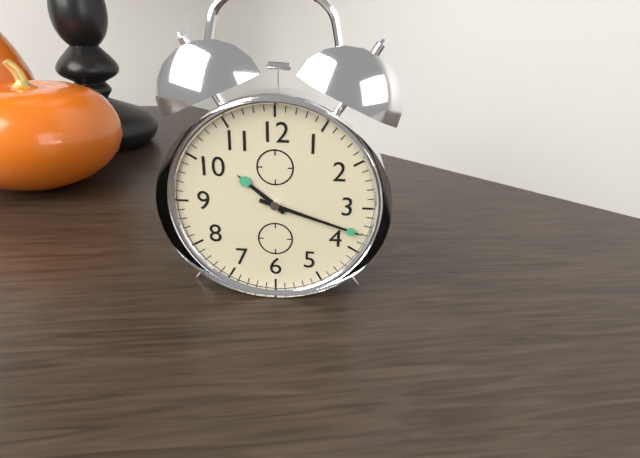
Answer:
10,18
